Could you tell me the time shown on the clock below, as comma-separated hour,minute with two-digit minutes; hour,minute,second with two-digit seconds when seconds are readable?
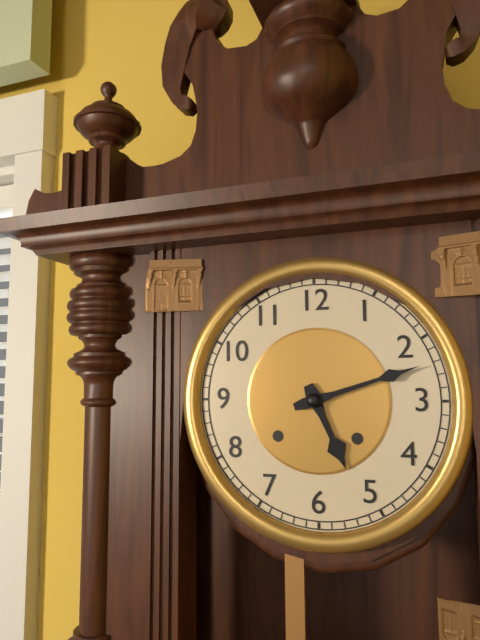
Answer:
5,12
